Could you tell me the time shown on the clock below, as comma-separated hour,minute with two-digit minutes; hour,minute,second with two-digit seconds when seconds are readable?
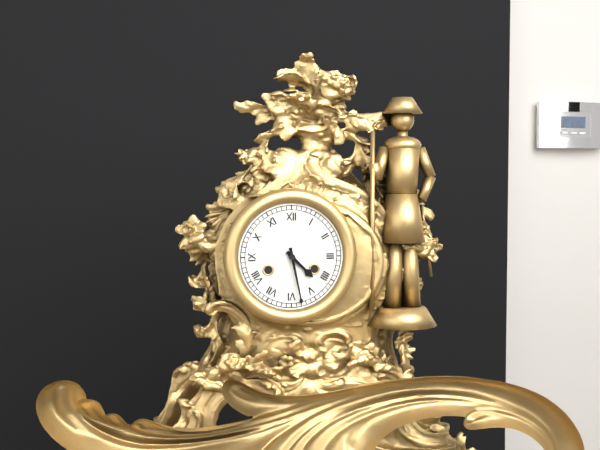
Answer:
4,28
